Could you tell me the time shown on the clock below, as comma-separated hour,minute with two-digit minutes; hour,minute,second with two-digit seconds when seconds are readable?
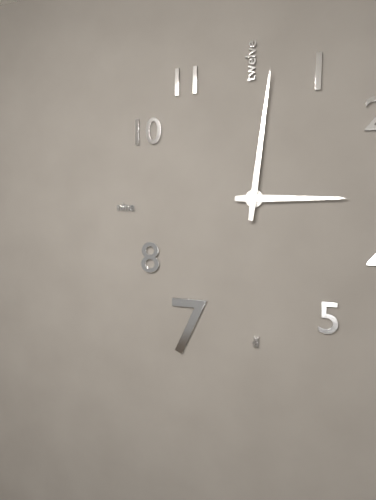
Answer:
3,01
